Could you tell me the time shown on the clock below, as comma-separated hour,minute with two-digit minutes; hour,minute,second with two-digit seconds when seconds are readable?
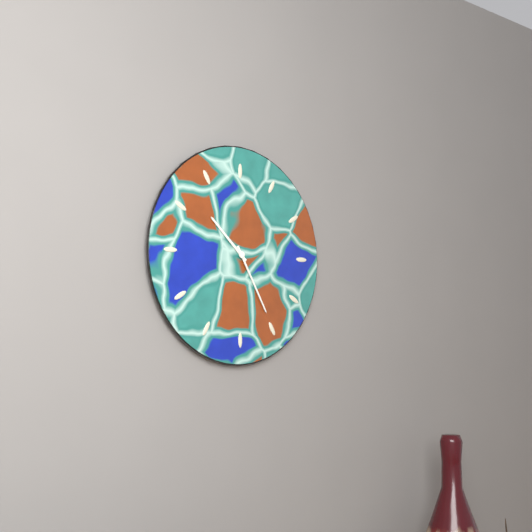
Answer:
10,25
